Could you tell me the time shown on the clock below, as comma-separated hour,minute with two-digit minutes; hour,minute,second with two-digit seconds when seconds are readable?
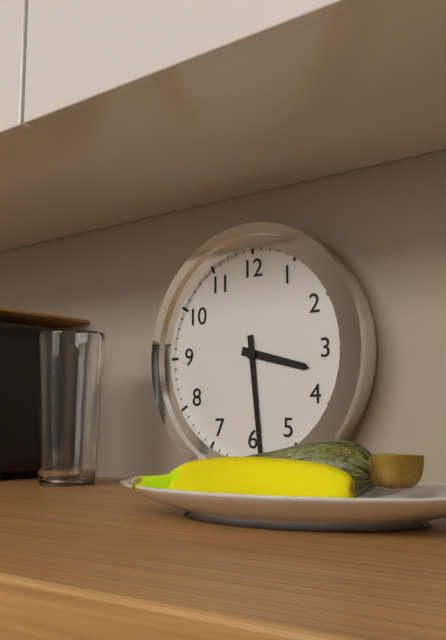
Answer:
3,29
